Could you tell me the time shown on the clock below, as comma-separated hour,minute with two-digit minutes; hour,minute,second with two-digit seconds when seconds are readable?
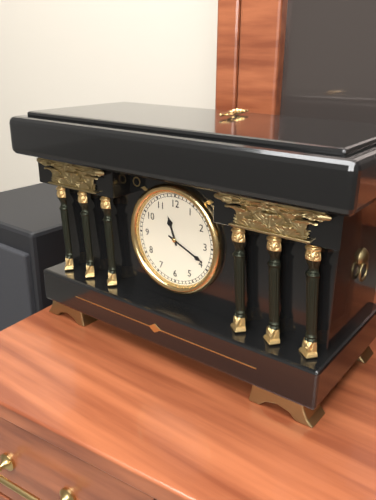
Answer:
11,19
